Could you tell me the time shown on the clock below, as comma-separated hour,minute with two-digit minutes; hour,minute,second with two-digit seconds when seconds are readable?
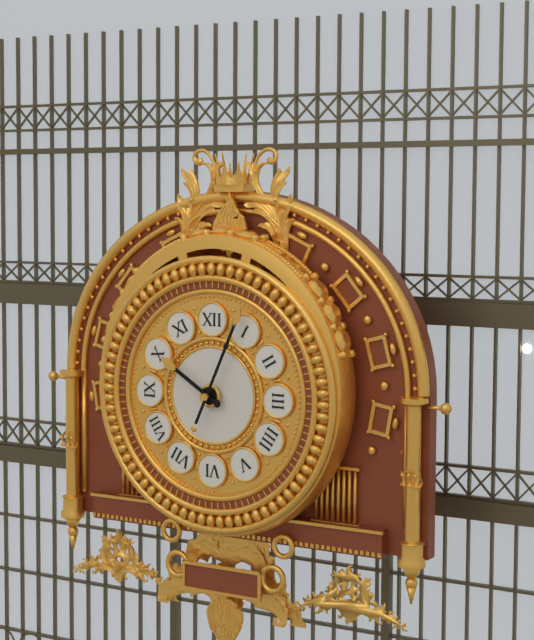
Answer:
10,04
